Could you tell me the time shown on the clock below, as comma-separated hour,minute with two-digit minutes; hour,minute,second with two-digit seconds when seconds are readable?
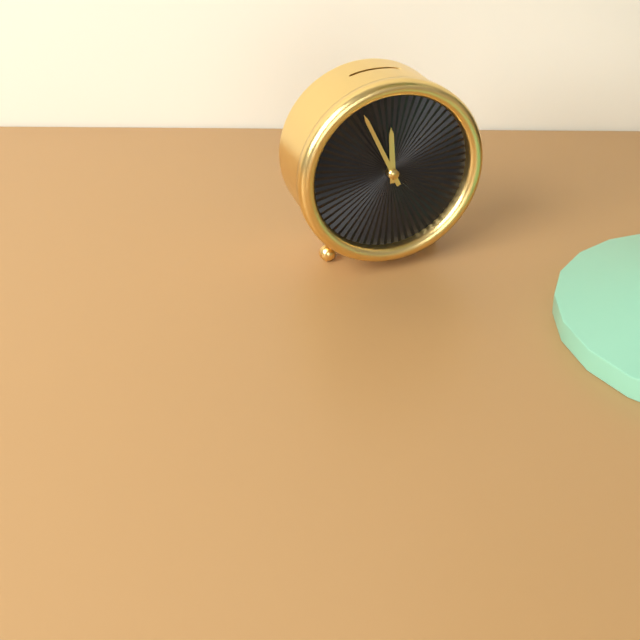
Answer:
11,56
